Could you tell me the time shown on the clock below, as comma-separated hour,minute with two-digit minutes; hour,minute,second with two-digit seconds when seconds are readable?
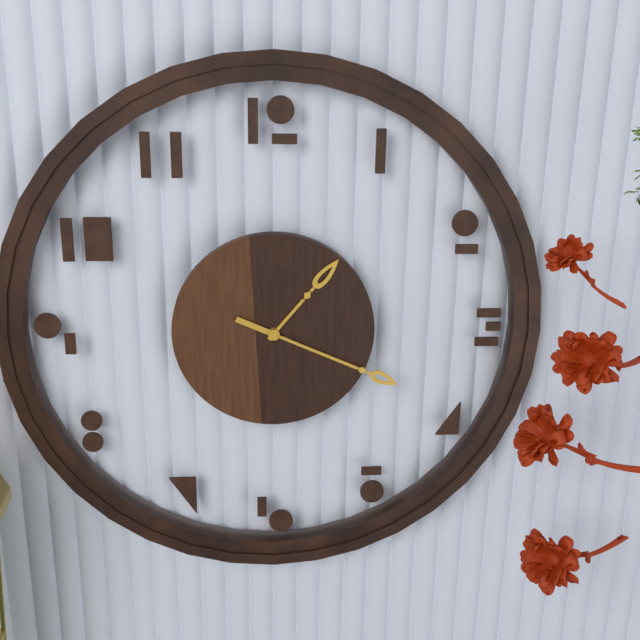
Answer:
1,19
